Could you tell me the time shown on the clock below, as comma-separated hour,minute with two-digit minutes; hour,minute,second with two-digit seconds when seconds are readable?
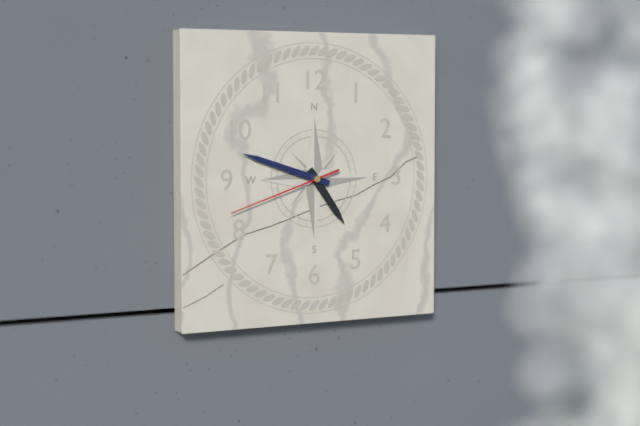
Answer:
4,48,42
